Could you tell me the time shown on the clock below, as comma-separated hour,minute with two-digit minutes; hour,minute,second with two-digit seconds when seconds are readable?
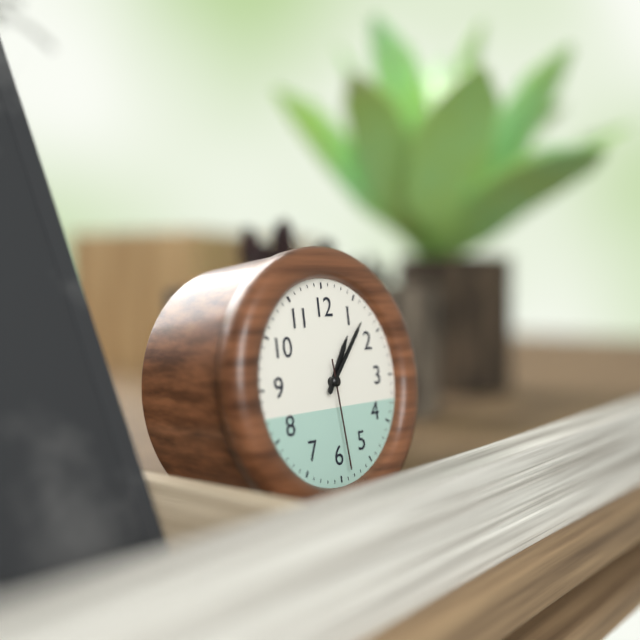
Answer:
1,07,29
